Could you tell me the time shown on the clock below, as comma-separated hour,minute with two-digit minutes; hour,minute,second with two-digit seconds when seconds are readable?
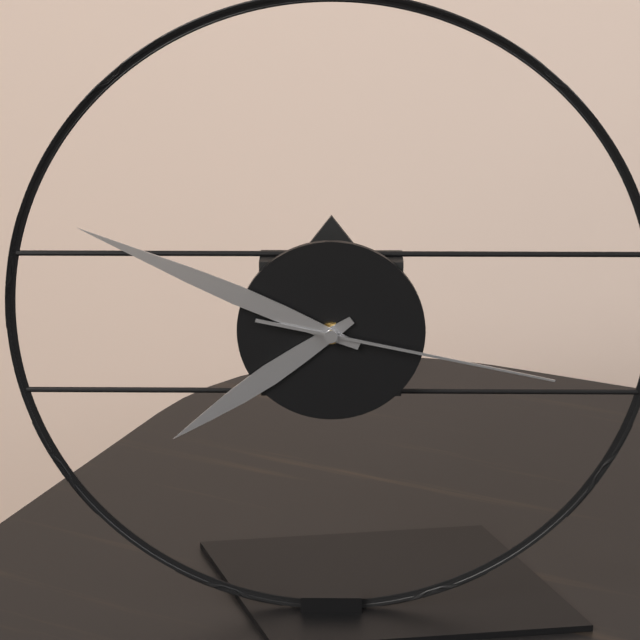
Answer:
7,49,17
